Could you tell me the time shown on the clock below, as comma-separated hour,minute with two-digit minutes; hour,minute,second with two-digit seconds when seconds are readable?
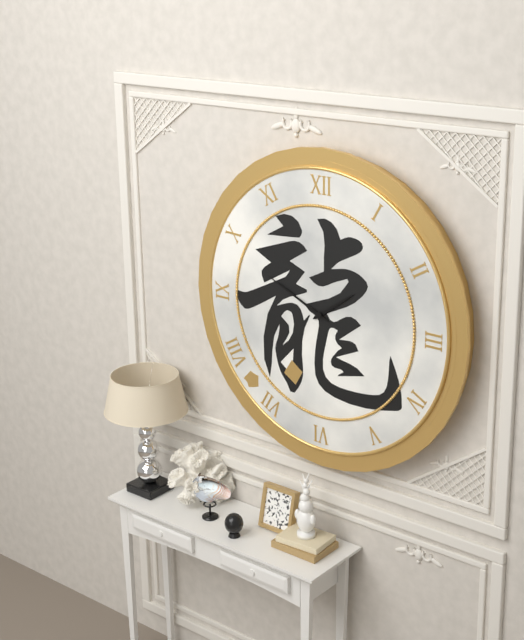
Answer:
1,49
